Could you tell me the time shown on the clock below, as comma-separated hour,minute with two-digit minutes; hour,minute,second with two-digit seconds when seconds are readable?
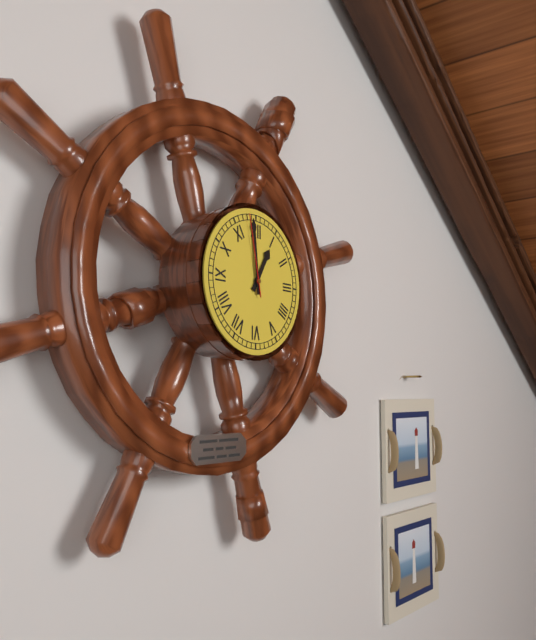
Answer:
12,59,58
